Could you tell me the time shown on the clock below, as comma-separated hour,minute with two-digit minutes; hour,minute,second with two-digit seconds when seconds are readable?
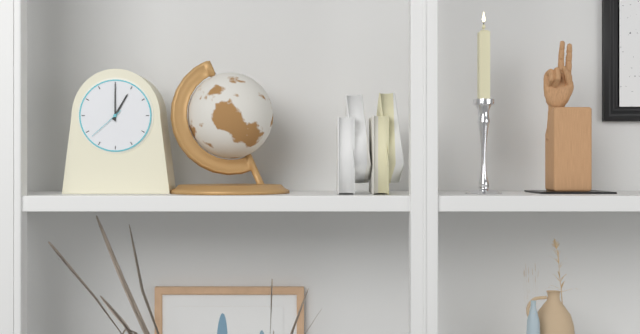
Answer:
1,00
